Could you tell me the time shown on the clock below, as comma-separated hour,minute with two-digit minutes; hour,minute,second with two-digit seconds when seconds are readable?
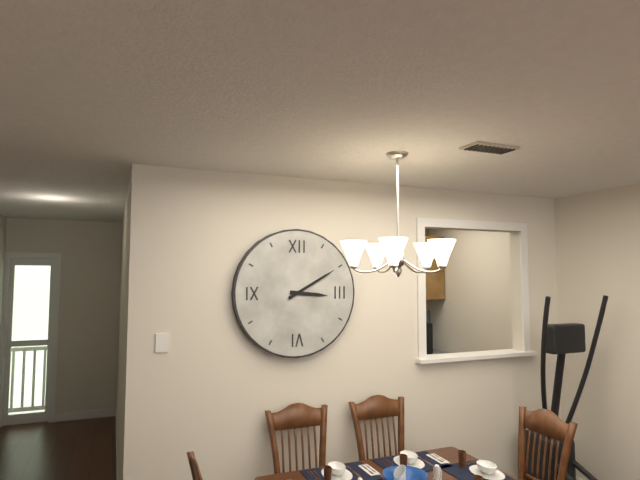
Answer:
3,10
